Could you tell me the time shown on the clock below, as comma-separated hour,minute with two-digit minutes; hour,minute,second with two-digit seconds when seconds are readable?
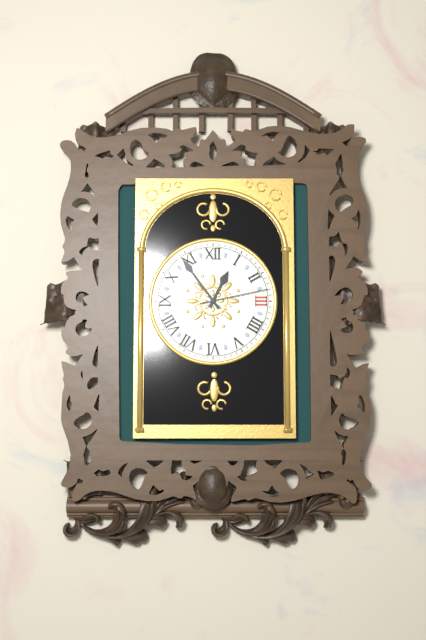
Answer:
12,54,13
